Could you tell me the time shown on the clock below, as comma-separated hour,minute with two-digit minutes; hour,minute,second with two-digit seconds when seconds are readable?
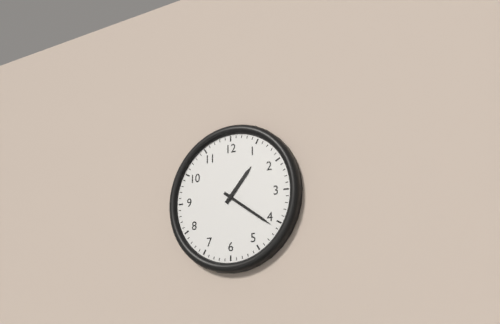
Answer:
1,21
